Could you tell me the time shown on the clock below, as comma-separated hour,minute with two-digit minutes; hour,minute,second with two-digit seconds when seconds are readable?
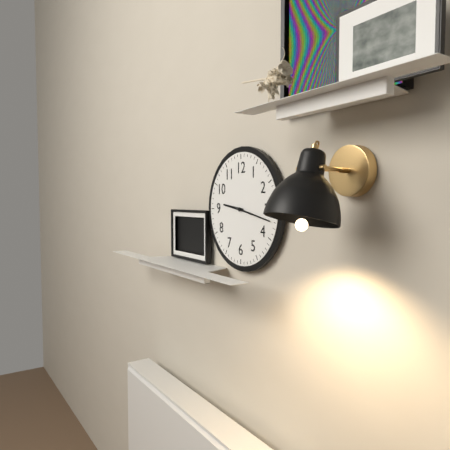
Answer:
9,17
